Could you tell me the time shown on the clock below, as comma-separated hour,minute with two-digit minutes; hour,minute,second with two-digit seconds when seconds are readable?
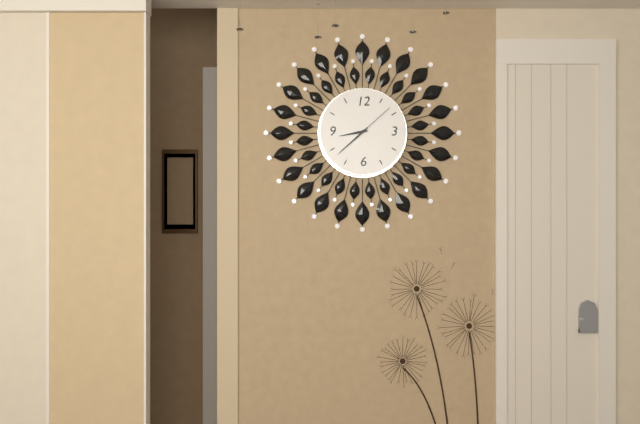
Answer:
8,38
